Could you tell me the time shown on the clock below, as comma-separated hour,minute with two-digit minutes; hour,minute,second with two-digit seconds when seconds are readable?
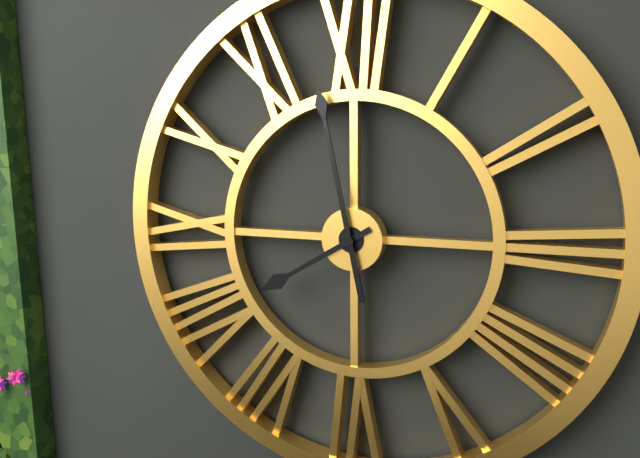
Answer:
7,58
